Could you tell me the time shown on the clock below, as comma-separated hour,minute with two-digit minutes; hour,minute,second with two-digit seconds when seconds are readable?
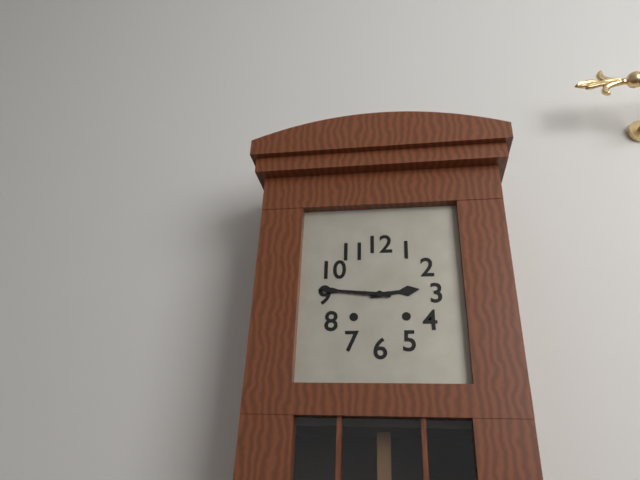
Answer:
2,46
